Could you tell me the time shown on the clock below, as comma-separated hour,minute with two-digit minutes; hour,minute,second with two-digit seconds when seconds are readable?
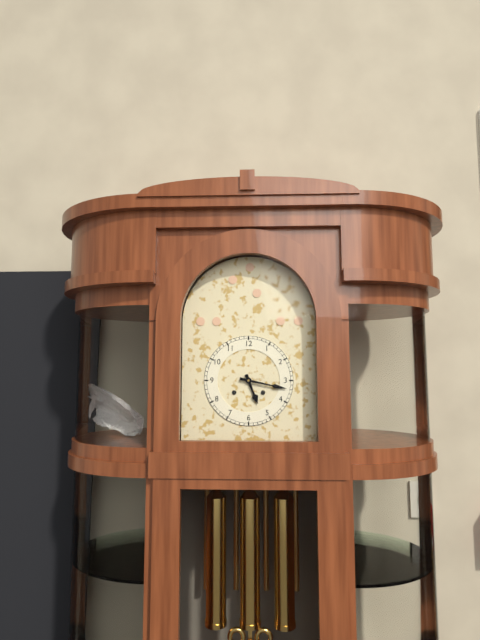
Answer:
5,17
